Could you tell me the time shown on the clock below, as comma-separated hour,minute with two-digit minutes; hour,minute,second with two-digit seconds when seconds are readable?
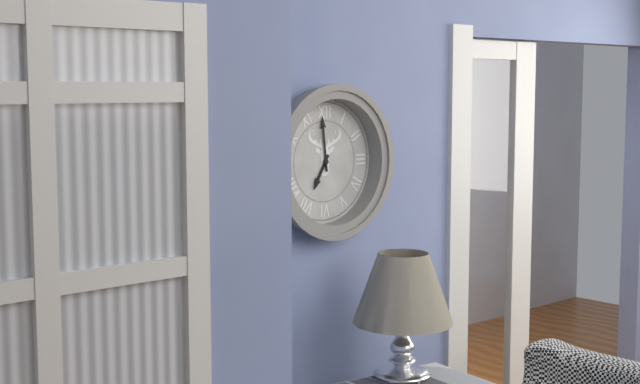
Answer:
6,59
